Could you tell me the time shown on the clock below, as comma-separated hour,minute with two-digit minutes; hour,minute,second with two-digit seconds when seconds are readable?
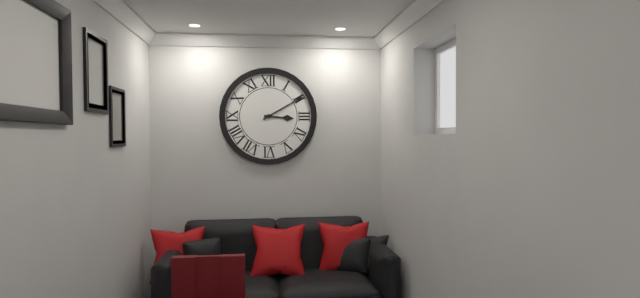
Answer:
3,10
